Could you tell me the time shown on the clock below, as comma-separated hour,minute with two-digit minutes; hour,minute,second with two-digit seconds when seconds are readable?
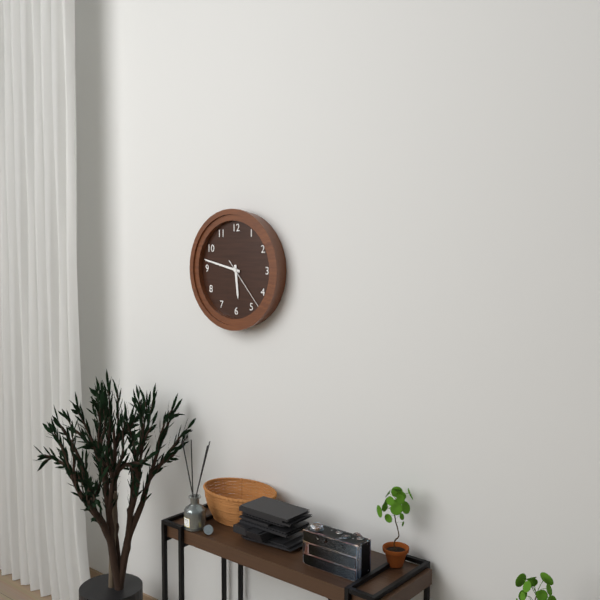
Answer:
5,47,23
